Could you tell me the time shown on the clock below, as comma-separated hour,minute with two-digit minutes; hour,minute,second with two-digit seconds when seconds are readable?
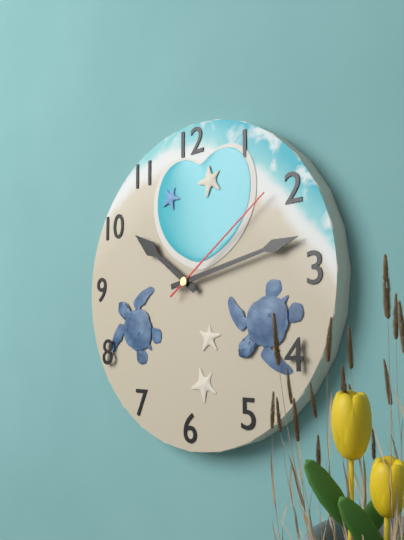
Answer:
10,13,09
